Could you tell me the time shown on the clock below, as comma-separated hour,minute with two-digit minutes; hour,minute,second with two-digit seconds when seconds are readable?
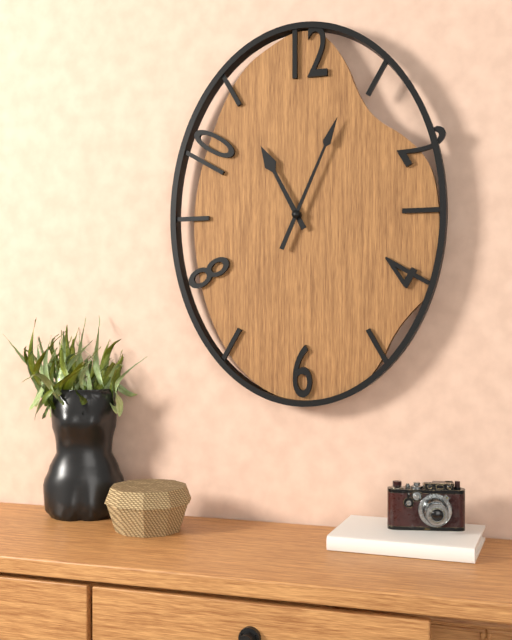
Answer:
11,04
